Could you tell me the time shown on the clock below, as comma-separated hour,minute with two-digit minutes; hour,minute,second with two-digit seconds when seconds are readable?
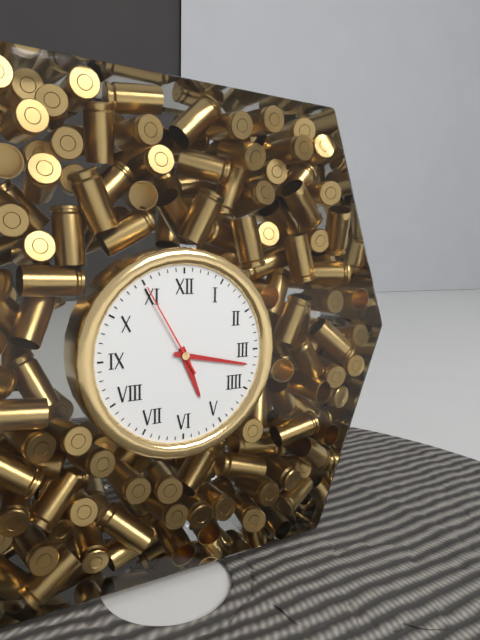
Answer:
5,17,55
